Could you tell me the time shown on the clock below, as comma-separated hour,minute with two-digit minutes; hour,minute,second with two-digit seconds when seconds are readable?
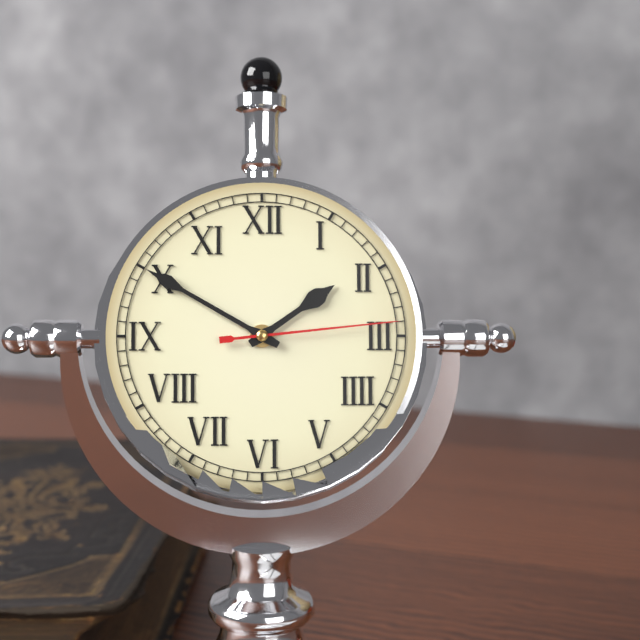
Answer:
1,50,14
